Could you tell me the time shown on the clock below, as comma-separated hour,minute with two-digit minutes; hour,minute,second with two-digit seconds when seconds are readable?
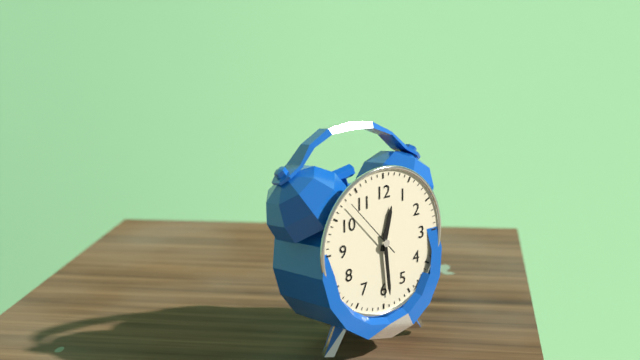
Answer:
12,29,53
